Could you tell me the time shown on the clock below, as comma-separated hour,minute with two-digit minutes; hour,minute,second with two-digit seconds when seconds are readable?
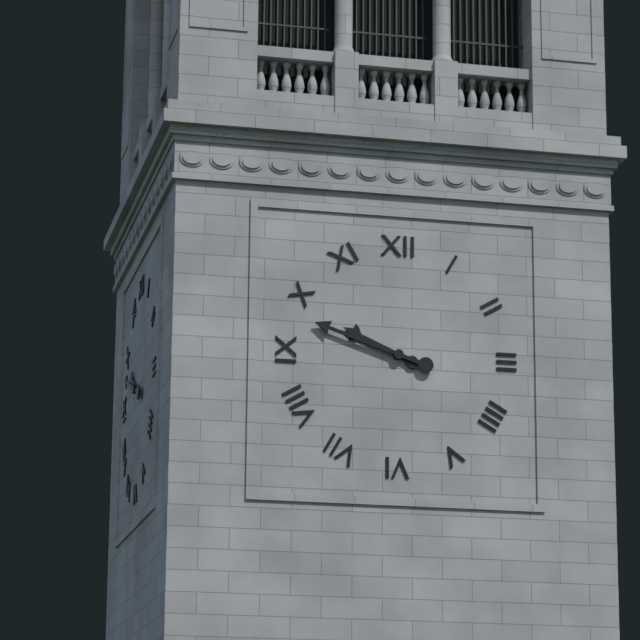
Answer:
9,48
